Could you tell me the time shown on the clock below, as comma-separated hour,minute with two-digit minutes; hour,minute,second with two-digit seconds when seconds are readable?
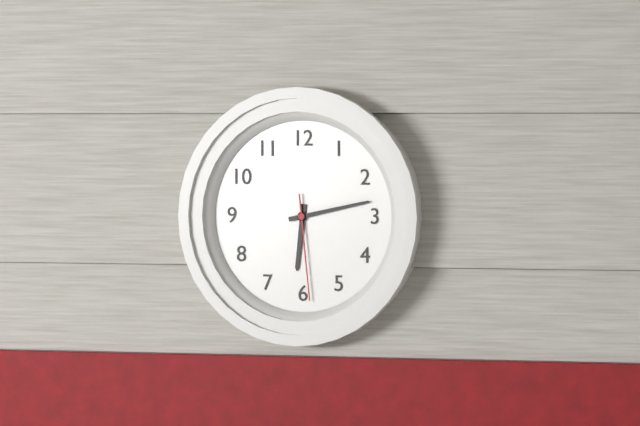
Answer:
6,13,29
